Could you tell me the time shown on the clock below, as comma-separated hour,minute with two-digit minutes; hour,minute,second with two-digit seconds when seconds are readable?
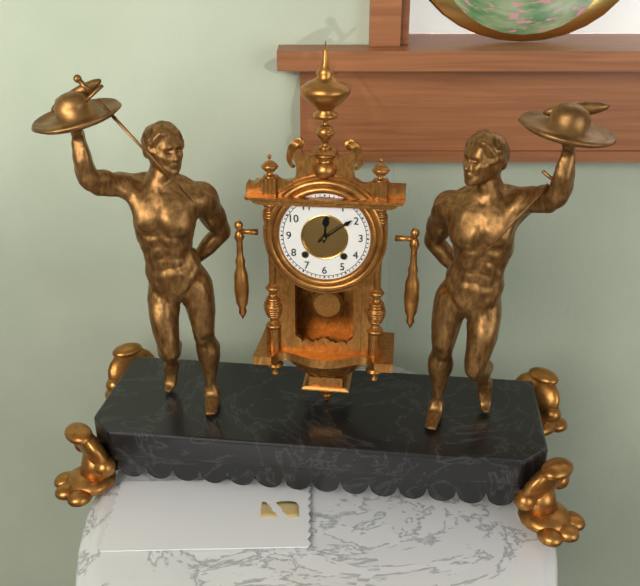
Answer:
12,09
